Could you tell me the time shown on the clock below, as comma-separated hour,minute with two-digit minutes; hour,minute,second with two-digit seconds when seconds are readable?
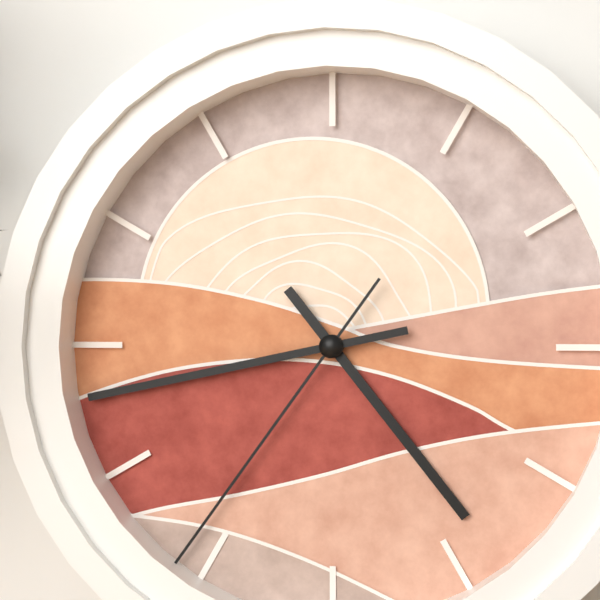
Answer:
4,43,36
